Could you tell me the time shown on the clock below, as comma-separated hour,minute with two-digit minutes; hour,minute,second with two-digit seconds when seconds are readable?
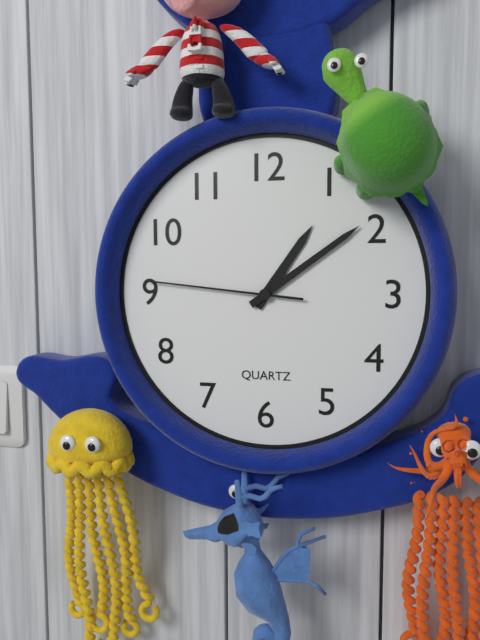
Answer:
1,09,46
